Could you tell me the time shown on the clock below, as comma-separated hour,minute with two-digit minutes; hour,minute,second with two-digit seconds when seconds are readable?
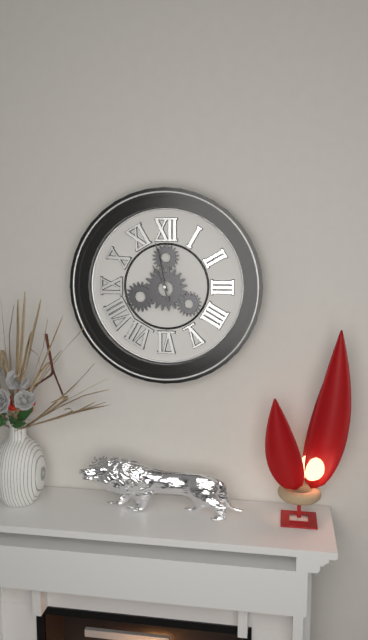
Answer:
10,58
